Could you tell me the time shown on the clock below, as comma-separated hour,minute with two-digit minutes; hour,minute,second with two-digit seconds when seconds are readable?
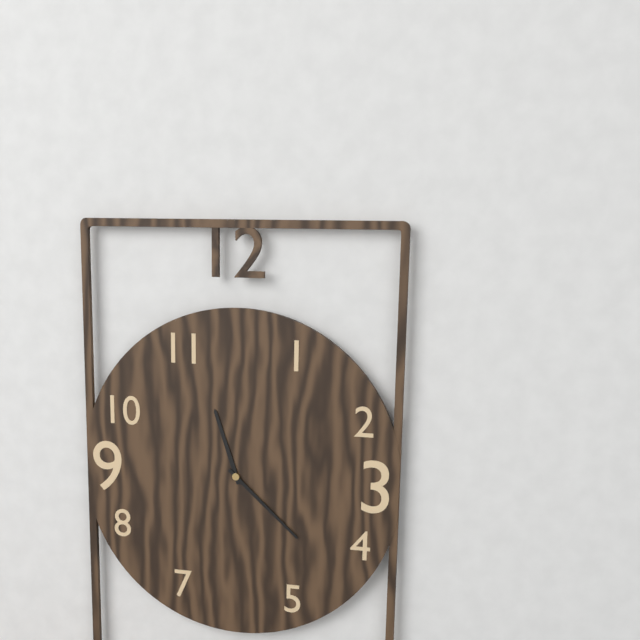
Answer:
11,22
